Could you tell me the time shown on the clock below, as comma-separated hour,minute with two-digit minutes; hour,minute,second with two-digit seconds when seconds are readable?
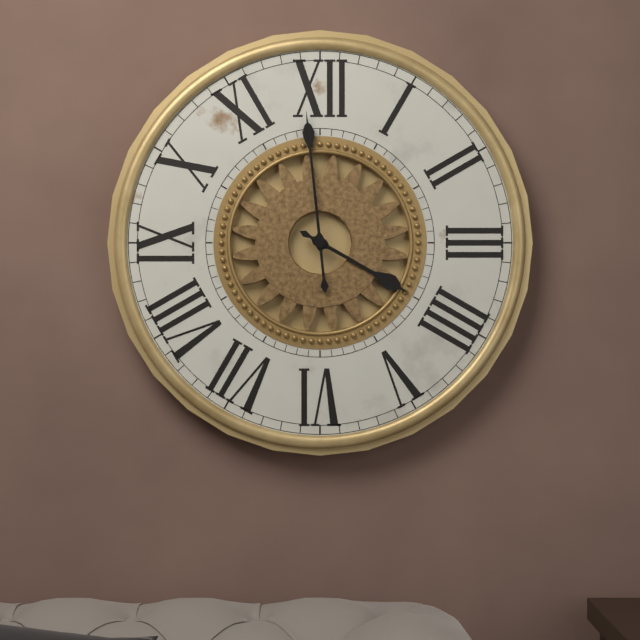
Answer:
3,59
